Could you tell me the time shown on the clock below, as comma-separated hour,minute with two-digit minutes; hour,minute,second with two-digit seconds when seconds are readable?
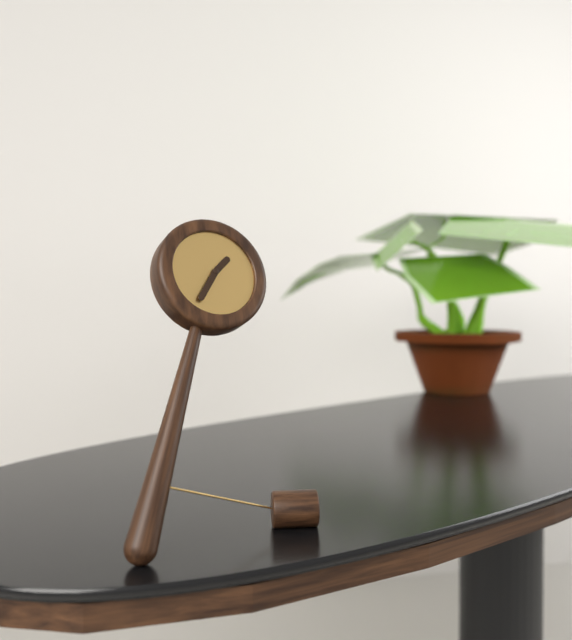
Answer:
1,36
